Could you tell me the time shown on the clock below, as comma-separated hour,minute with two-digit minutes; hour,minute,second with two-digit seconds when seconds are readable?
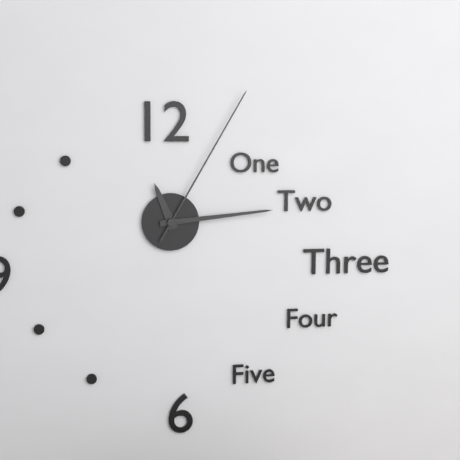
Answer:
11,14,05
